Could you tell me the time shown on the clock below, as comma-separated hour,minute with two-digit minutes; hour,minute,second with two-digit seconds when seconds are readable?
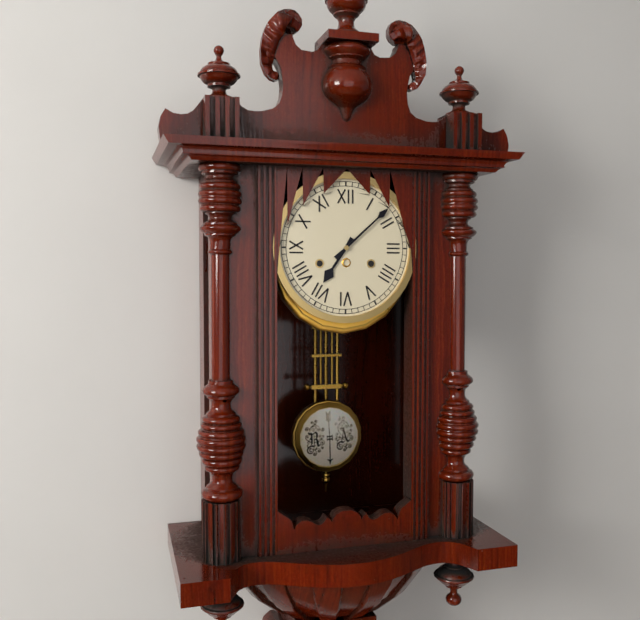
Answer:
7,08
